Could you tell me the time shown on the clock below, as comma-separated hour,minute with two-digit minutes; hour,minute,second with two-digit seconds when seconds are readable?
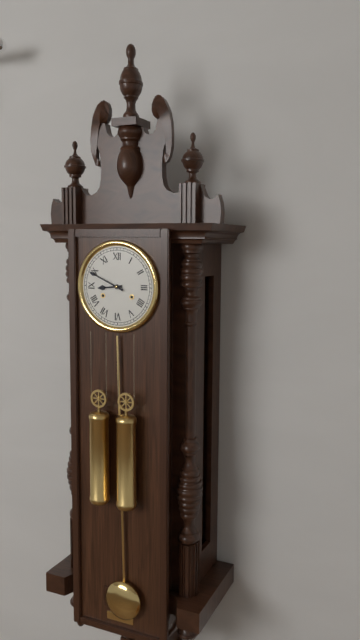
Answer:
8,49
